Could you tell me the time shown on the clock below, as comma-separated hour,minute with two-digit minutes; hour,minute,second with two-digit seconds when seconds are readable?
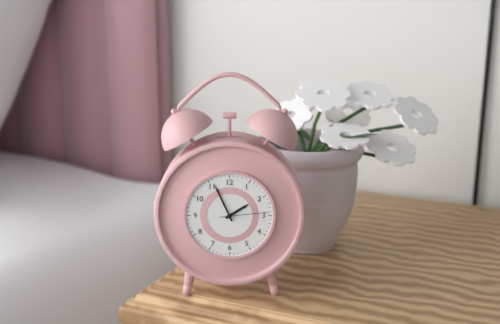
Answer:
1,56
